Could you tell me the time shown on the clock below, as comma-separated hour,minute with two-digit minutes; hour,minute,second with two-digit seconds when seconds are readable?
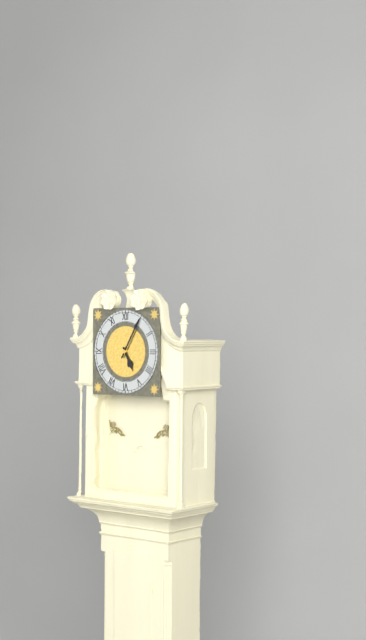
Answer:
5,05
